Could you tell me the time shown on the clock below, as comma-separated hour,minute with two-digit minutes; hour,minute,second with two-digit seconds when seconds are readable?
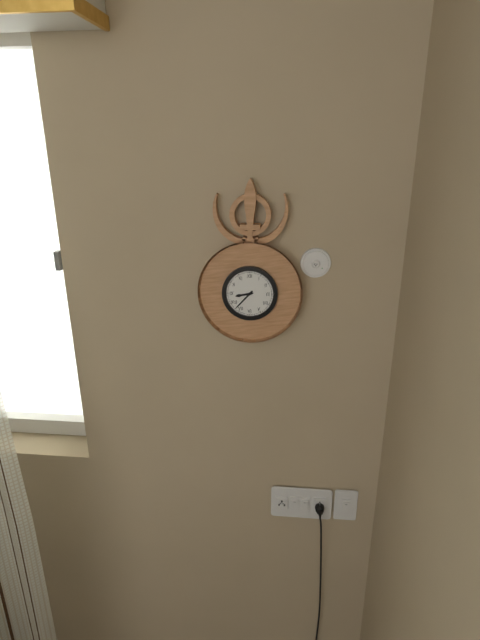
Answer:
8,37
